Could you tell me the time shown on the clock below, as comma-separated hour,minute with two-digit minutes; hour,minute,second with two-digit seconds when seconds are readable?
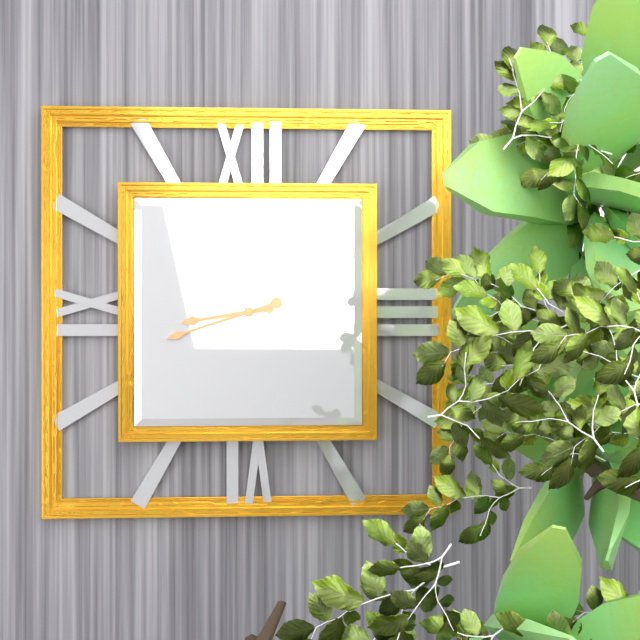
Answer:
8,42,54
